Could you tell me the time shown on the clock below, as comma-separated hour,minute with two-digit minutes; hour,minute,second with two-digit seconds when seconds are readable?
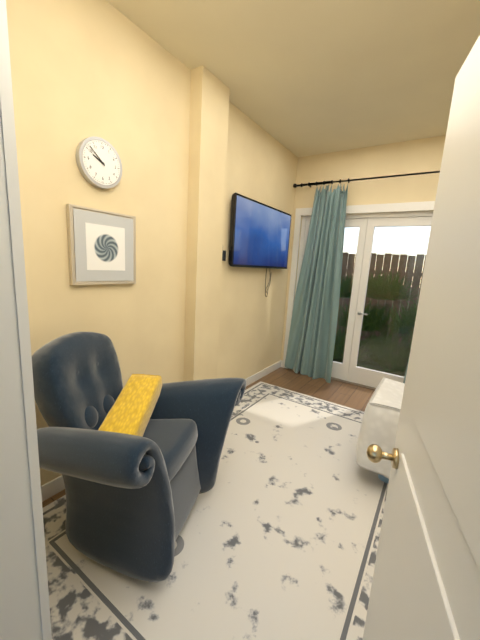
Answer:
9,52
